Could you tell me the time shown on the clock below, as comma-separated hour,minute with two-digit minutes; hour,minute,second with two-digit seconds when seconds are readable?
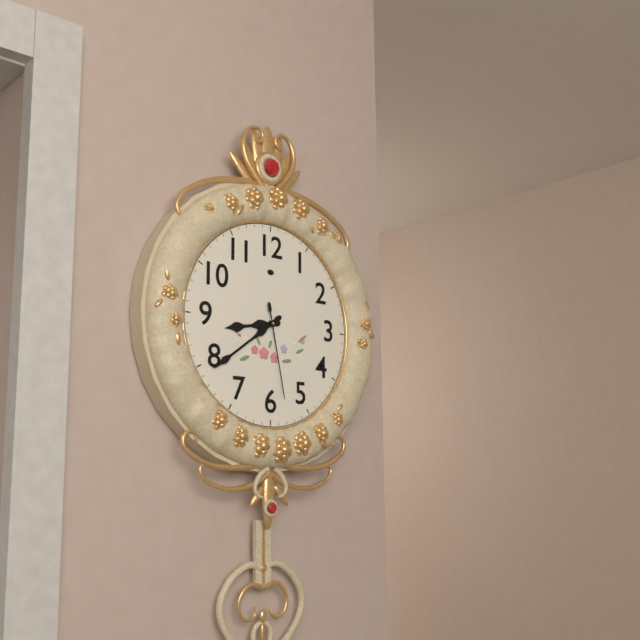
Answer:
8,39,28
